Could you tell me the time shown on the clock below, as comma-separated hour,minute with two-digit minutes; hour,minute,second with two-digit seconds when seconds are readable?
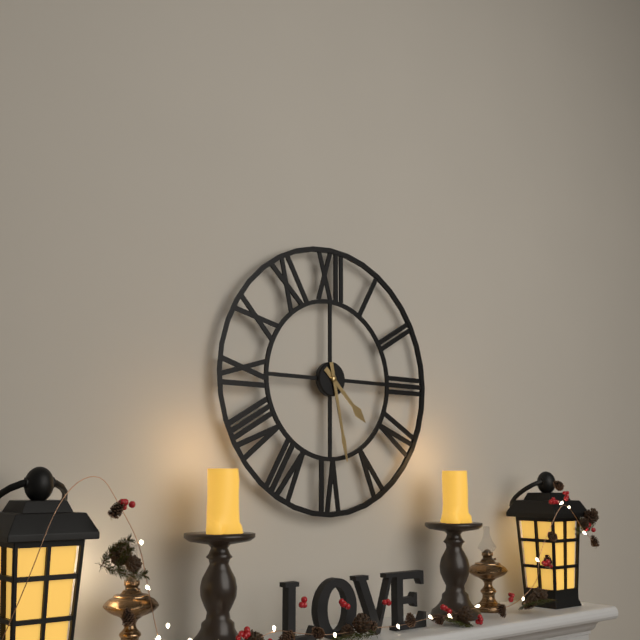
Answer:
4,28
